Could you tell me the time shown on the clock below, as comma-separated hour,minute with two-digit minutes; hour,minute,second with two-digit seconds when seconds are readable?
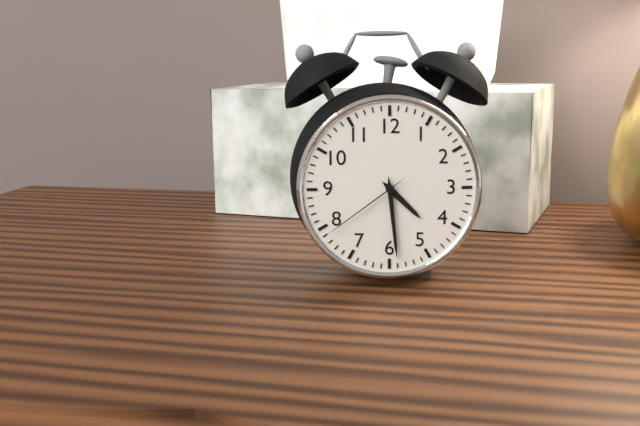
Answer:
4,29,39
